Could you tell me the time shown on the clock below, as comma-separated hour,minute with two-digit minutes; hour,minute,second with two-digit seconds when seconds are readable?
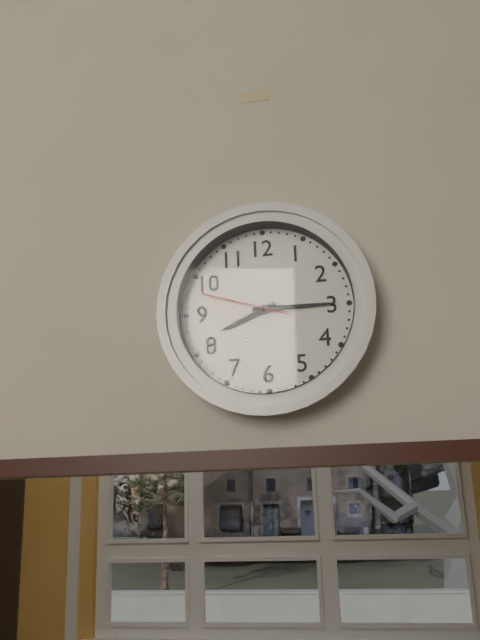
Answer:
8,15,48
